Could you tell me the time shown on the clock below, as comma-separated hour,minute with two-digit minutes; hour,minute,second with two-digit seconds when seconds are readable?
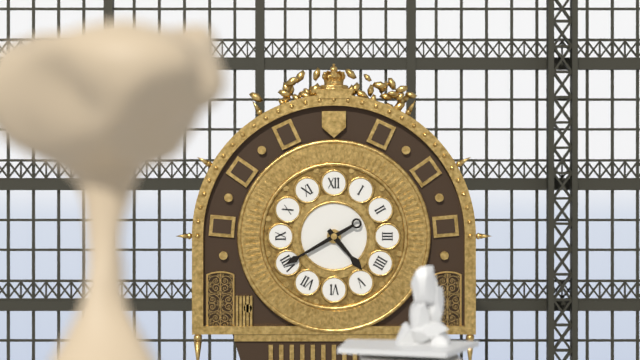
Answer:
4,40
